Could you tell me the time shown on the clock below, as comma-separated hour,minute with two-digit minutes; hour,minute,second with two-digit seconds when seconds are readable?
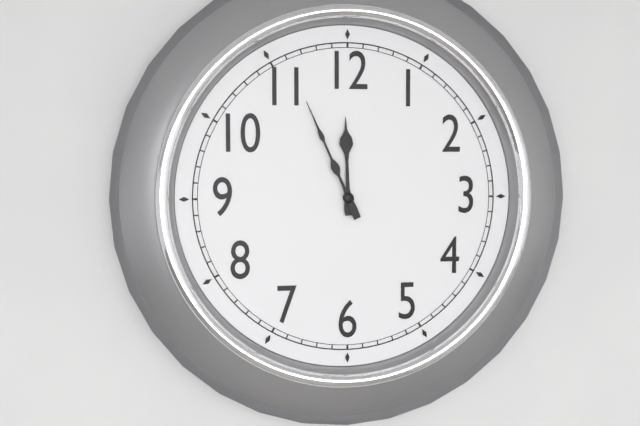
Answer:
11,56
